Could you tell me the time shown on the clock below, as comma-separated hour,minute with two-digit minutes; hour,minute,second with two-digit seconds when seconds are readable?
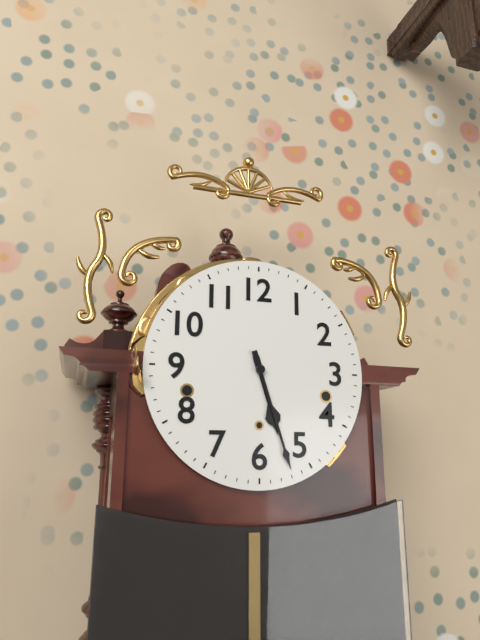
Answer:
5,27
